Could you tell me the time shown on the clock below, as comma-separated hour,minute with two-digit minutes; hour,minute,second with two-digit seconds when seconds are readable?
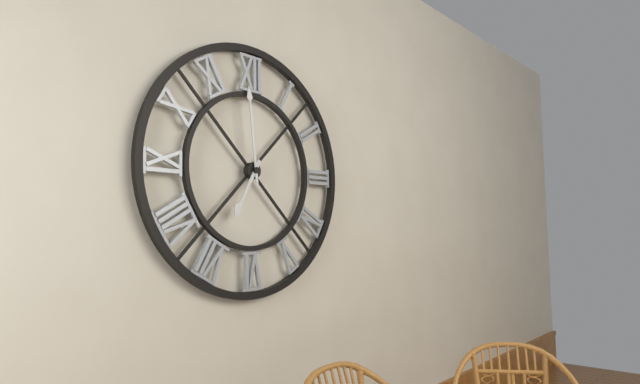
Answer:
6,59
